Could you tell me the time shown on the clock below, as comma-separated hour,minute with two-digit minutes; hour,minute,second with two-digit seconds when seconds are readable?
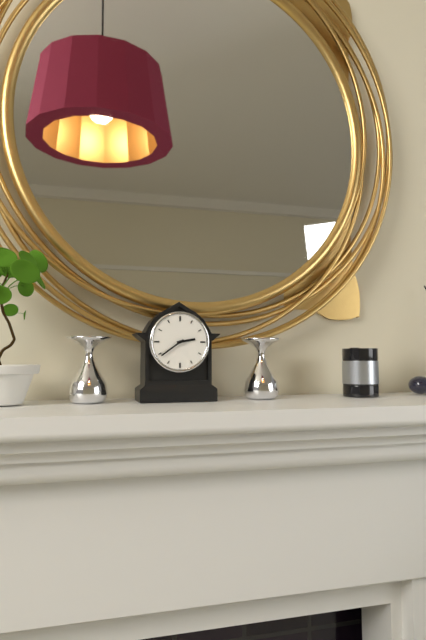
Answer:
2,39
